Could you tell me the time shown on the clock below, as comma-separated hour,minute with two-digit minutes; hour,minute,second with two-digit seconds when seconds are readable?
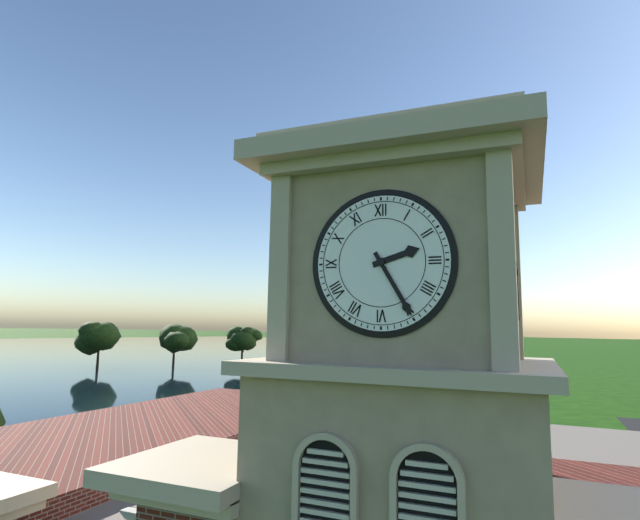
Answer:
2,25
